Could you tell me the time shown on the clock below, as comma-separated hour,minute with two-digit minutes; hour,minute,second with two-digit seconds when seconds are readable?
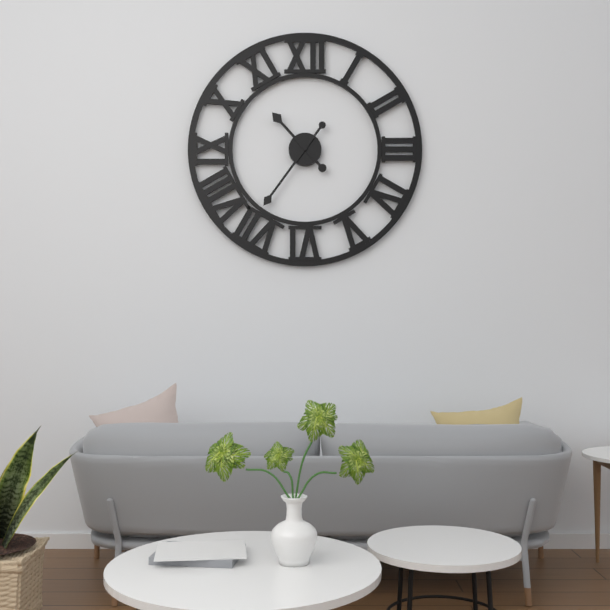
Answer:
10,36
